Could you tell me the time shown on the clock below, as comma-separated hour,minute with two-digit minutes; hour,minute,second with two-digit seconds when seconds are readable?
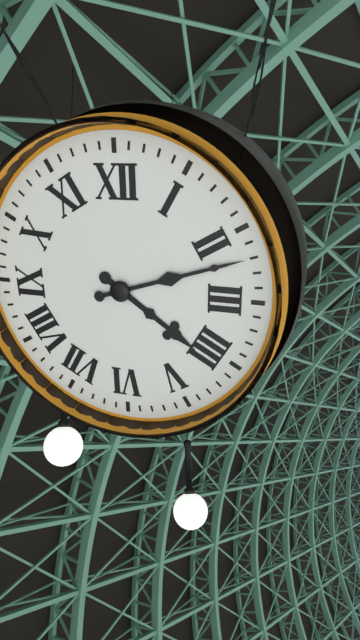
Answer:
4,12
